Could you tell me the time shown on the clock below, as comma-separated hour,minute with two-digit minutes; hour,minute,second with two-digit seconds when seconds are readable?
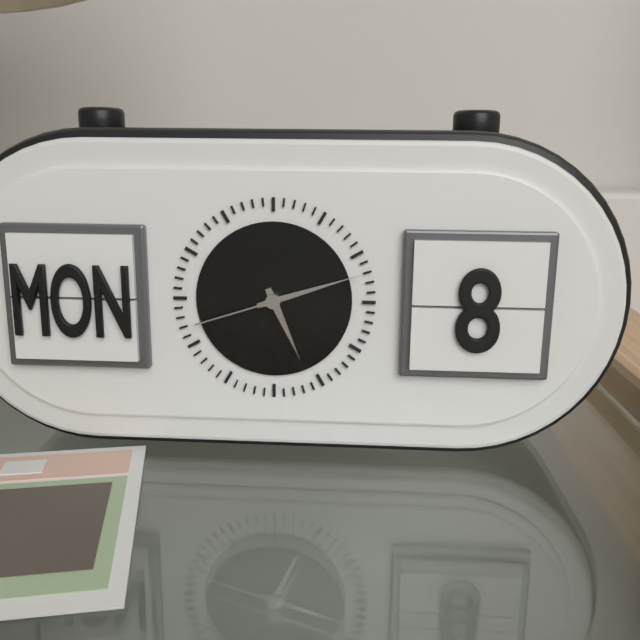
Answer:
5,12,42
